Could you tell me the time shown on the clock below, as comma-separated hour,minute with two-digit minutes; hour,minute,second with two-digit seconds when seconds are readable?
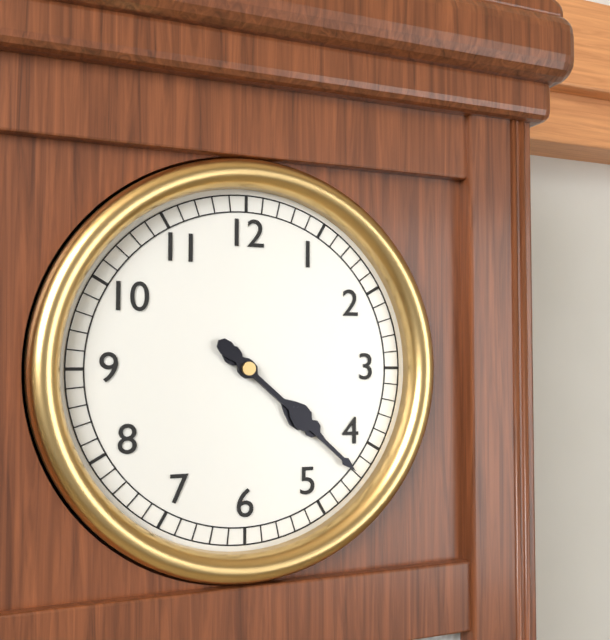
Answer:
4,22
